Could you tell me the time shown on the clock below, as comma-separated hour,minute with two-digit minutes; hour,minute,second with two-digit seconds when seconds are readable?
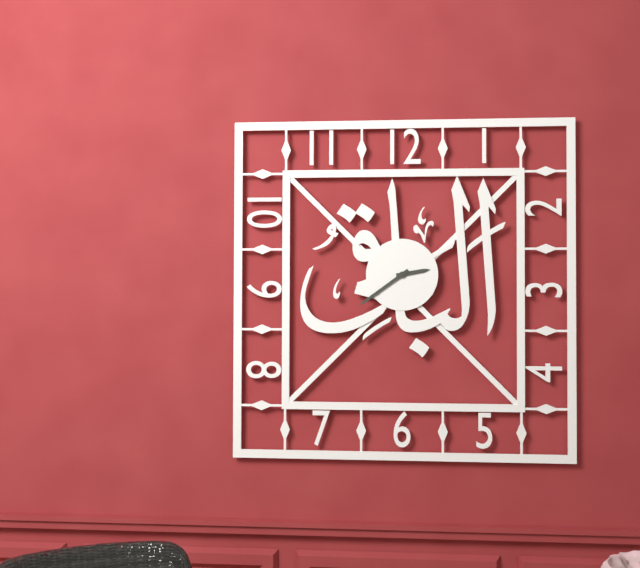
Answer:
2,39
